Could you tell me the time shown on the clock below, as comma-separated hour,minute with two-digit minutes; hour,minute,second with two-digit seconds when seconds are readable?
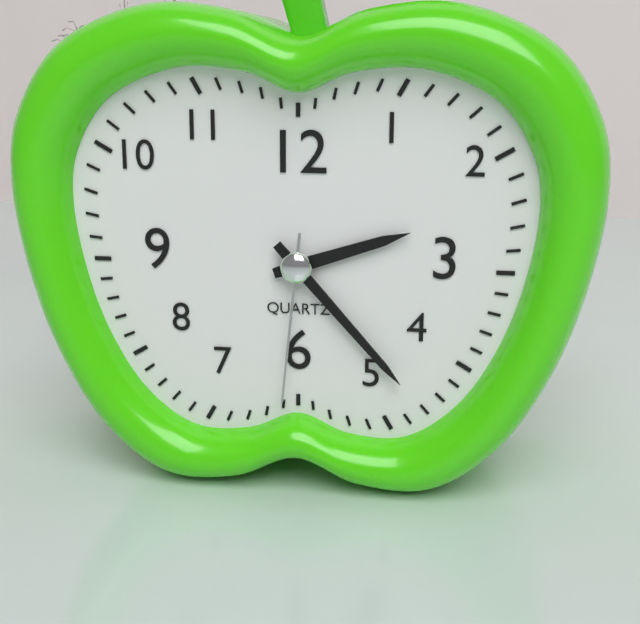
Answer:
2,23,31
